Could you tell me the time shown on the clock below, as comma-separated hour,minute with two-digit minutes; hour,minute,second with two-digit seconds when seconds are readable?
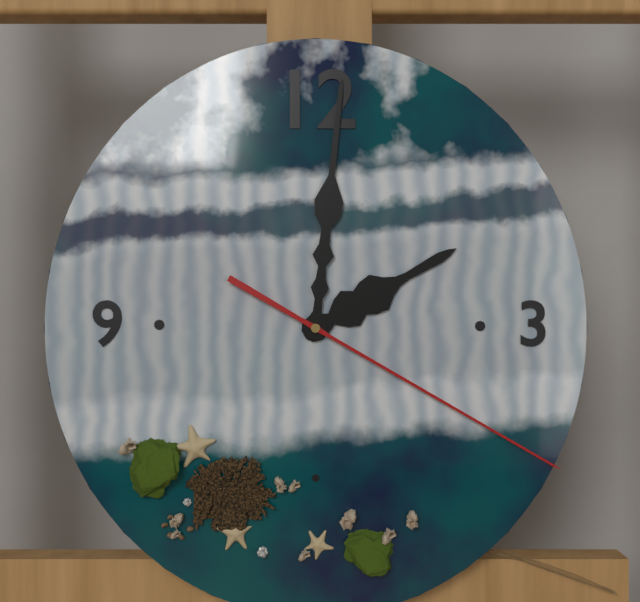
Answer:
2,01,20
